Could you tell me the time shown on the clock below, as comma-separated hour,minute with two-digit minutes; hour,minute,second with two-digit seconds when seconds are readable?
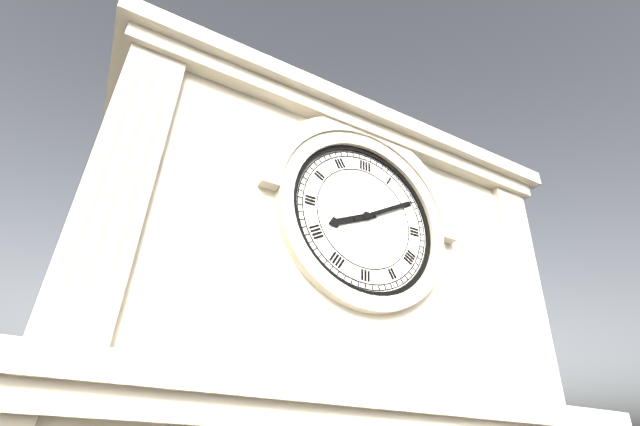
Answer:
8,10
